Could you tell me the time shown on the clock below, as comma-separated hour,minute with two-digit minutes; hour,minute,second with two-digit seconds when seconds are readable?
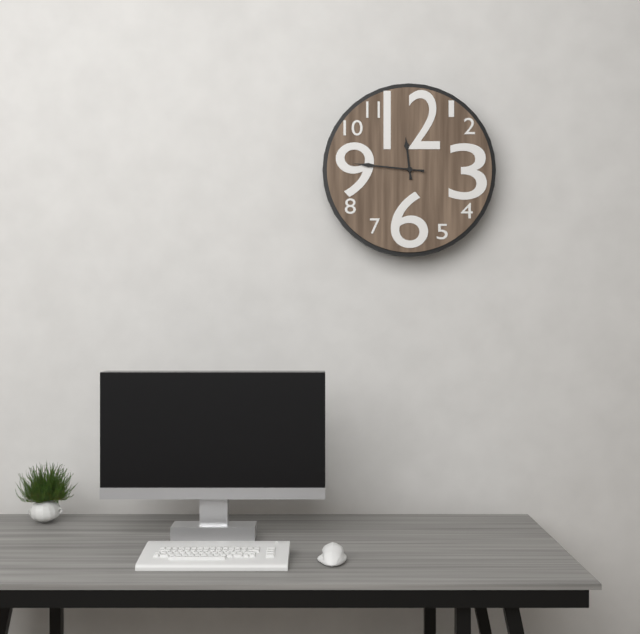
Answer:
11,46
